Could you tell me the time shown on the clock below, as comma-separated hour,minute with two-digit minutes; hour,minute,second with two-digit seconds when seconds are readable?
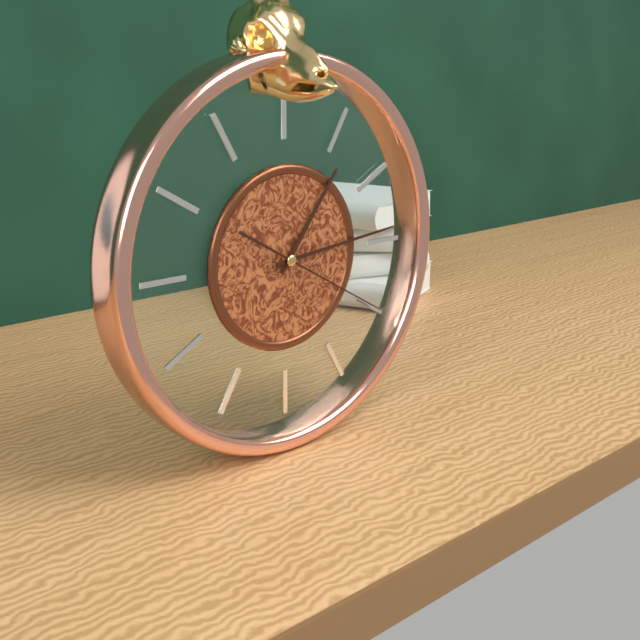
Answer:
1,14,20
